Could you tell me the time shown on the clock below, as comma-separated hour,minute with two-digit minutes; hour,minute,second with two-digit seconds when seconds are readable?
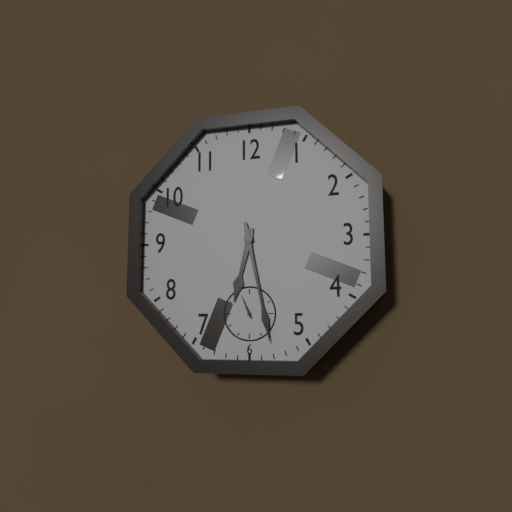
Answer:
6,28
